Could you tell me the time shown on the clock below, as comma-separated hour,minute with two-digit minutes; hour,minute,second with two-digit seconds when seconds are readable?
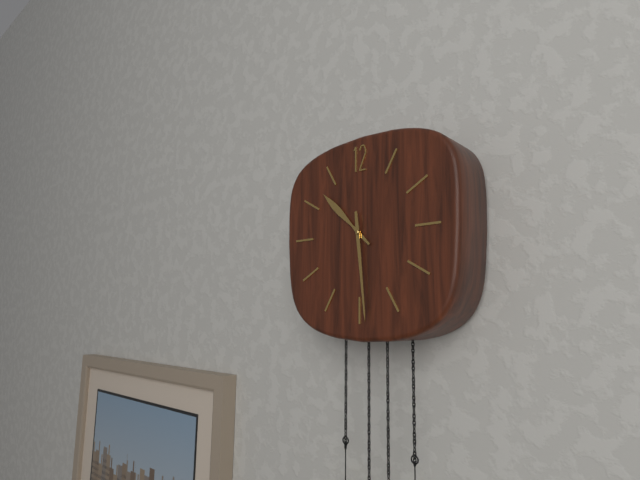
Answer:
10,29
